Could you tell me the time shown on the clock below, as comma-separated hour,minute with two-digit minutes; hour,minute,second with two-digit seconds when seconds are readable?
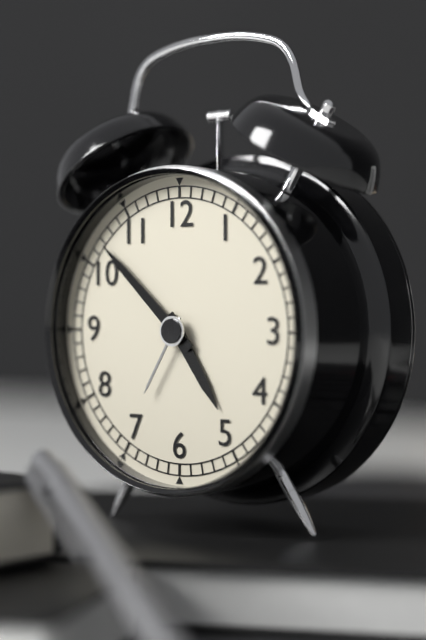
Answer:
4,52
